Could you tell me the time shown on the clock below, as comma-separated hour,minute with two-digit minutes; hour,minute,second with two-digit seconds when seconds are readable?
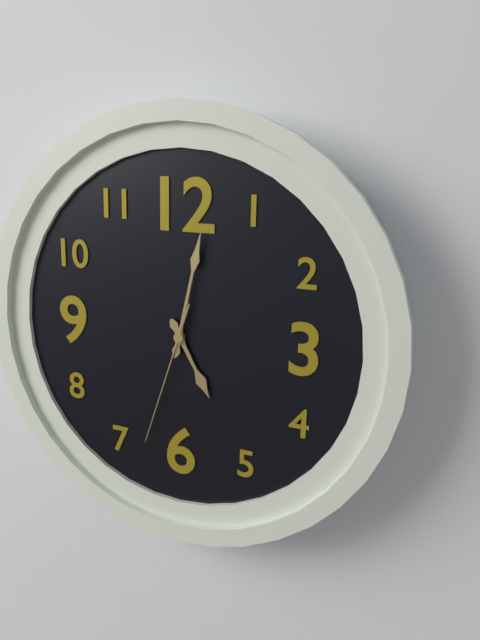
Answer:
5,02,33
